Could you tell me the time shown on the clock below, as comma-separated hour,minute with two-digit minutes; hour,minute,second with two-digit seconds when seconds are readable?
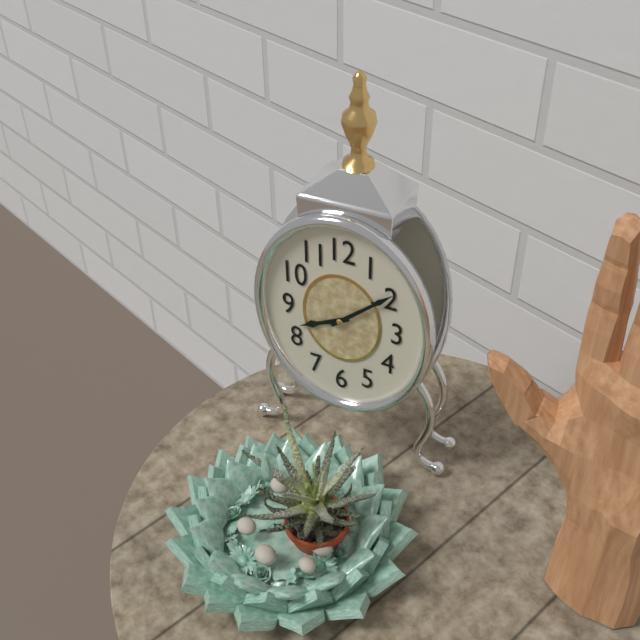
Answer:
8,08
